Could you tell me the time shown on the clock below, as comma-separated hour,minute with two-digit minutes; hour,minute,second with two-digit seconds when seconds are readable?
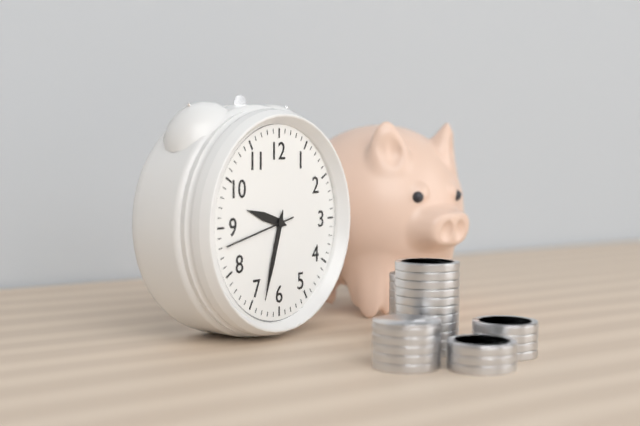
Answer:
9,33,43
